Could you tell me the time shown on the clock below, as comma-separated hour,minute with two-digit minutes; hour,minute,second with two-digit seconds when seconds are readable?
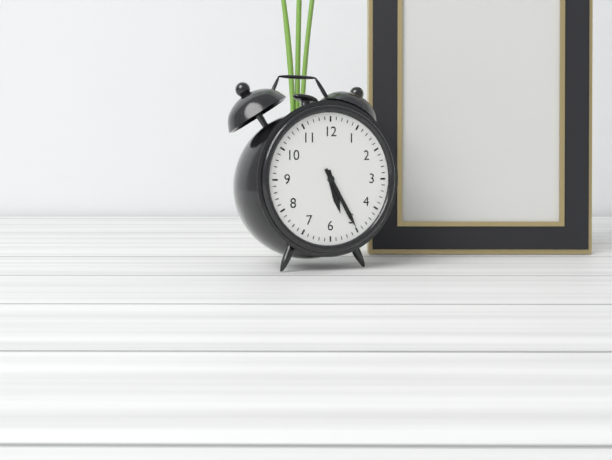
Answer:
5,25
